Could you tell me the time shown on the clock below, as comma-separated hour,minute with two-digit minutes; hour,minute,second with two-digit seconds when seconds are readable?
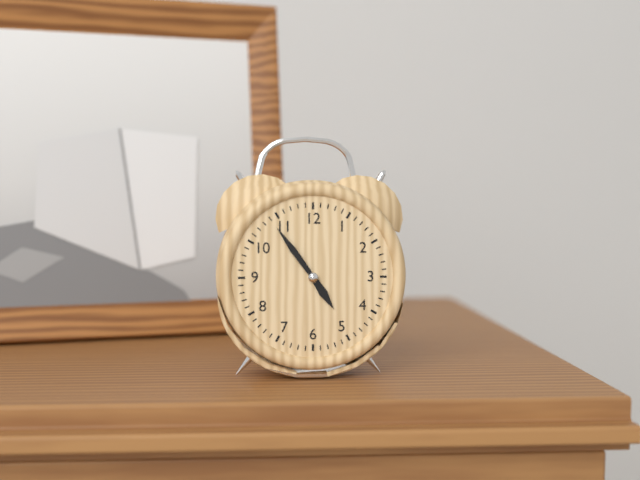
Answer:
4,54
